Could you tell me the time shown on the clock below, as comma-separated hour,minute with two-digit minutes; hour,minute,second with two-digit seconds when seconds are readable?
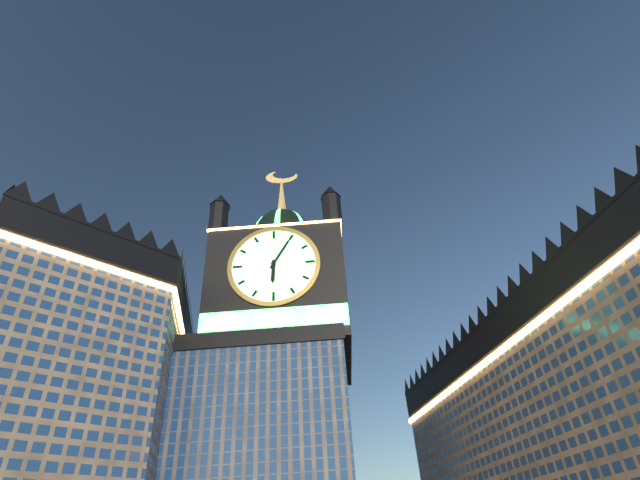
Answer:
6,05
